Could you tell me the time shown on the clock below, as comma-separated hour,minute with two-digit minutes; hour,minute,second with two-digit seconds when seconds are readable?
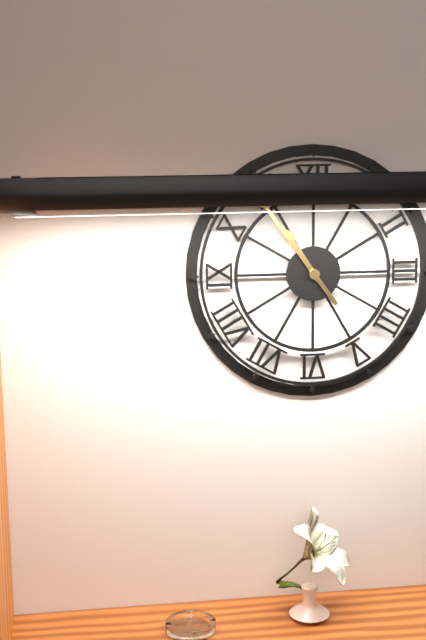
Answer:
10,54
